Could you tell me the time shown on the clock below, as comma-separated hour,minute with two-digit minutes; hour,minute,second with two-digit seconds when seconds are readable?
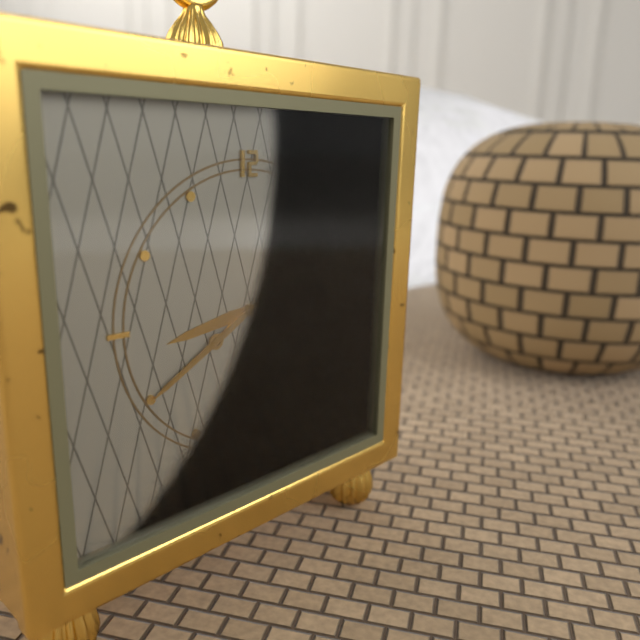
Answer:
8,40
